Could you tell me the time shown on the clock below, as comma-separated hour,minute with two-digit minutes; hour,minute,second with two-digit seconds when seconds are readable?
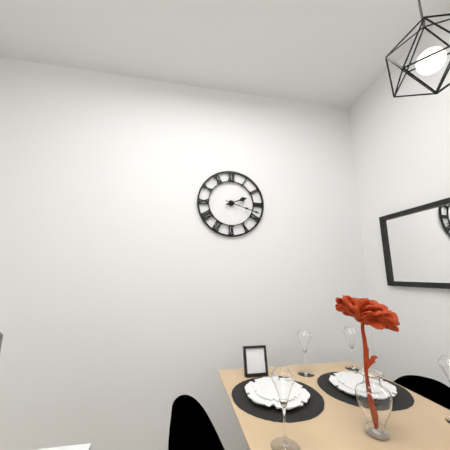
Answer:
2,18
